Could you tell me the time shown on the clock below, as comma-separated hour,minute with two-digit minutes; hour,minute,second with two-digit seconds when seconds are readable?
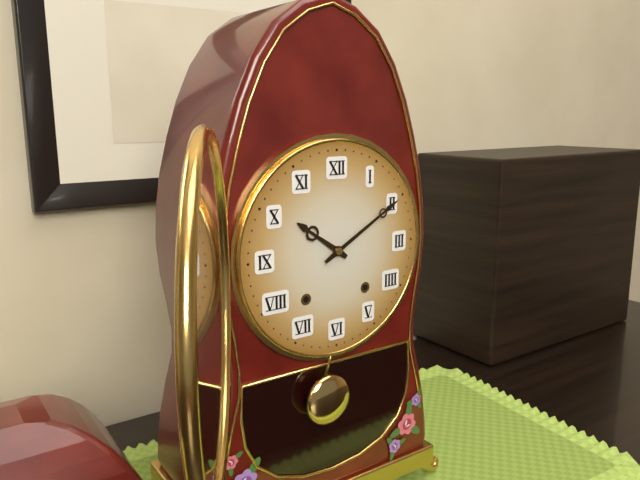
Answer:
10,10
